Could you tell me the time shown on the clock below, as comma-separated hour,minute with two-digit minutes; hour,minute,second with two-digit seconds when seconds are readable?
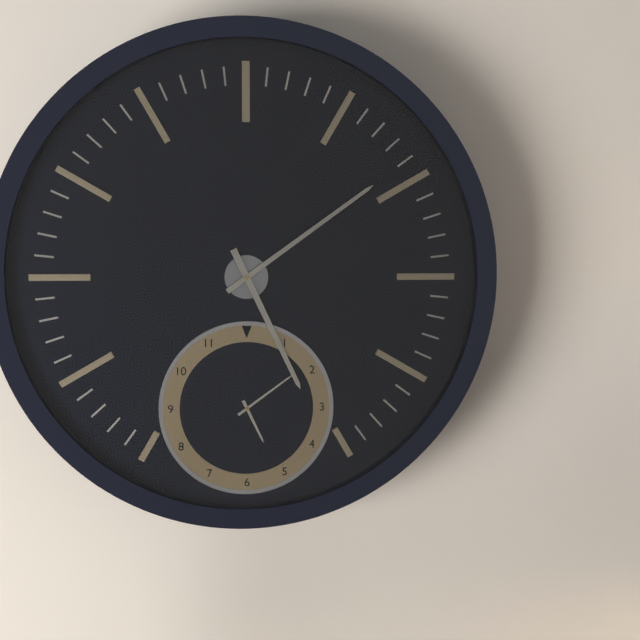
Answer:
5,09
